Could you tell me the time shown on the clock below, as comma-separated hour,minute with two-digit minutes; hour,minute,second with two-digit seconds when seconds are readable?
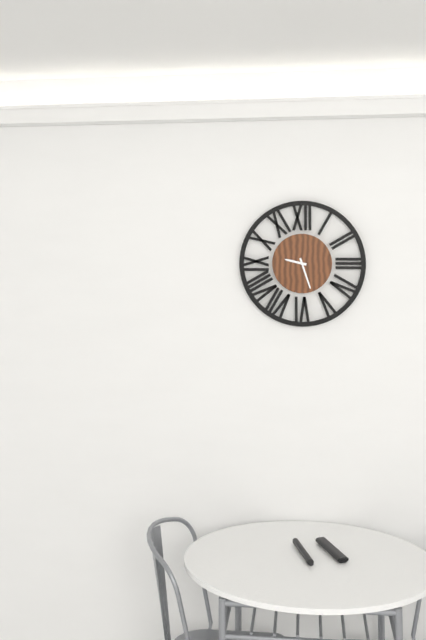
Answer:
9,27
